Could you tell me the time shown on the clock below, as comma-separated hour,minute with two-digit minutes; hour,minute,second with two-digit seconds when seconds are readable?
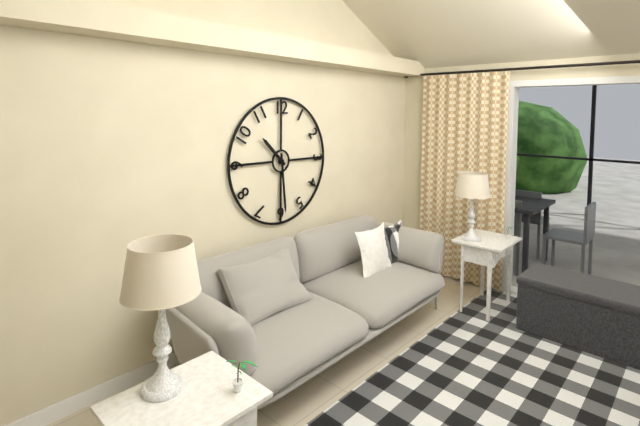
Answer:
10,29
